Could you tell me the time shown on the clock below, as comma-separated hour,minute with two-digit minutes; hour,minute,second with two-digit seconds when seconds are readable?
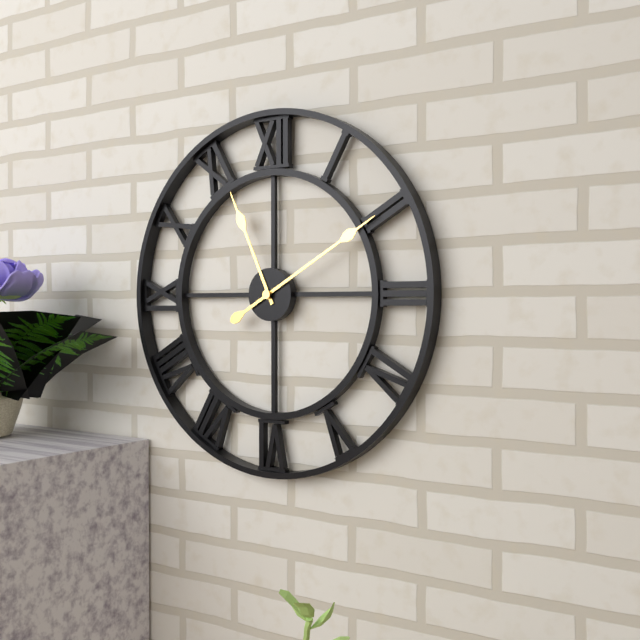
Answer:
11,10
